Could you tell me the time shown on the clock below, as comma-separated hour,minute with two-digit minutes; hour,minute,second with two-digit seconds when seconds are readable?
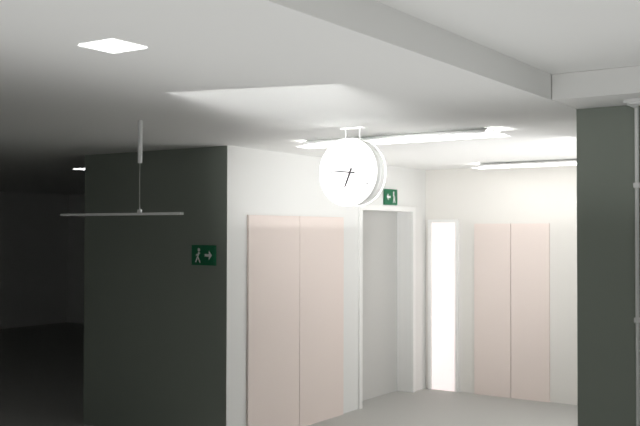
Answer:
6,46
